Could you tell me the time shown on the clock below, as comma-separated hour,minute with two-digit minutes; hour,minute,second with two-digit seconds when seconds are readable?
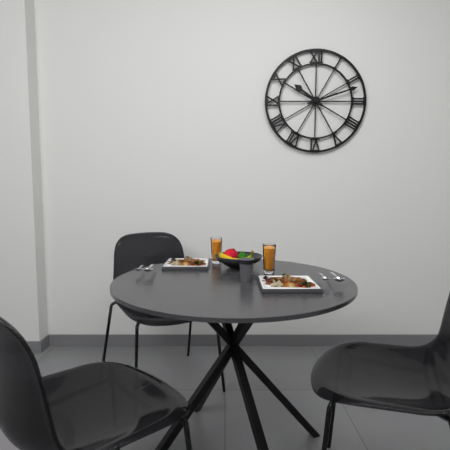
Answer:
10,12
